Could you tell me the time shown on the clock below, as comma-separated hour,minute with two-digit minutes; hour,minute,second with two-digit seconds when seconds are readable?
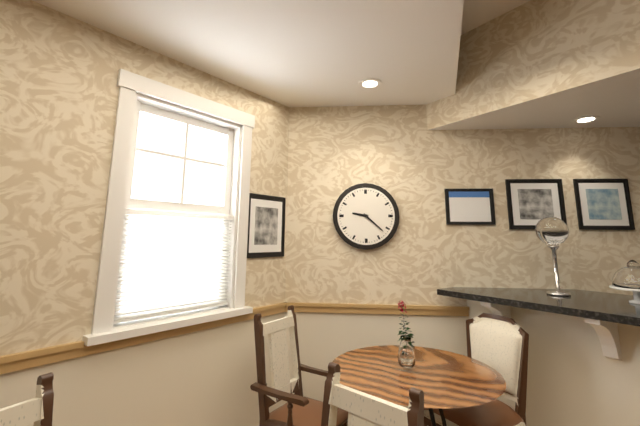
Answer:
9,22
